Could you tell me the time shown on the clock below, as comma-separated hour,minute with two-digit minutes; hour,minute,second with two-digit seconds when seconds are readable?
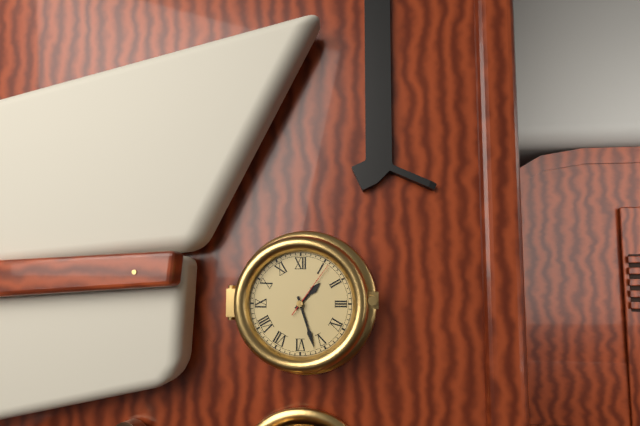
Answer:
1,27,06
